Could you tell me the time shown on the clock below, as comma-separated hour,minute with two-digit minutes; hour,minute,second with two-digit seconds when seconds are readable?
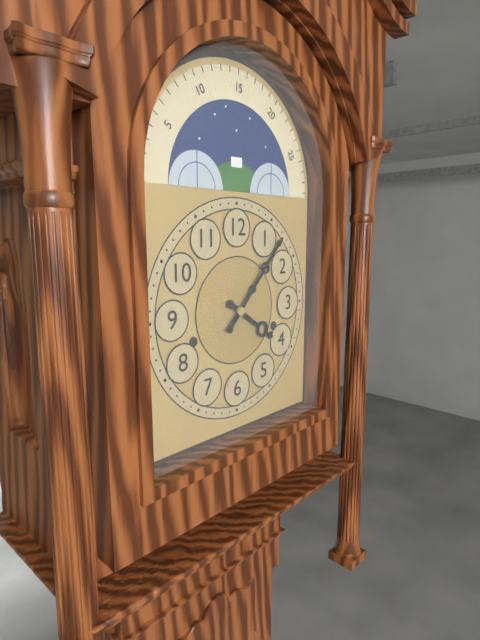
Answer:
4,07
